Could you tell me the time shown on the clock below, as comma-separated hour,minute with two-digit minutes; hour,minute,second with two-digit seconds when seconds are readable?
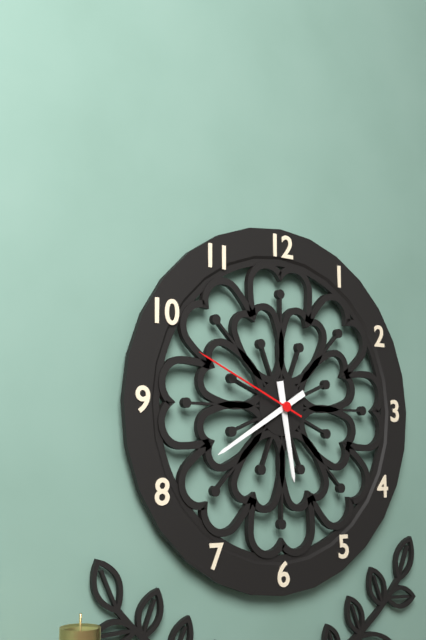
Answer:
5,40,49
